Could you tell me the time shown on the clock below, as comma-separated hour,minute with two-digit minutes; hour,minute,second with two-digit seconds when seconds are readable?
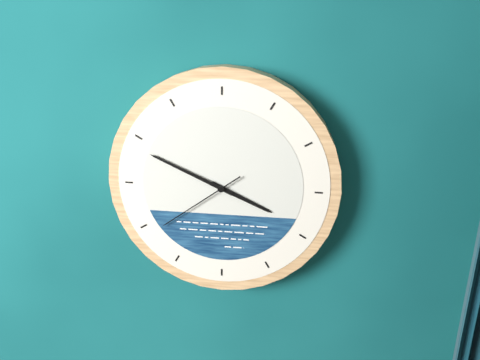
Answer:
3,49,39
